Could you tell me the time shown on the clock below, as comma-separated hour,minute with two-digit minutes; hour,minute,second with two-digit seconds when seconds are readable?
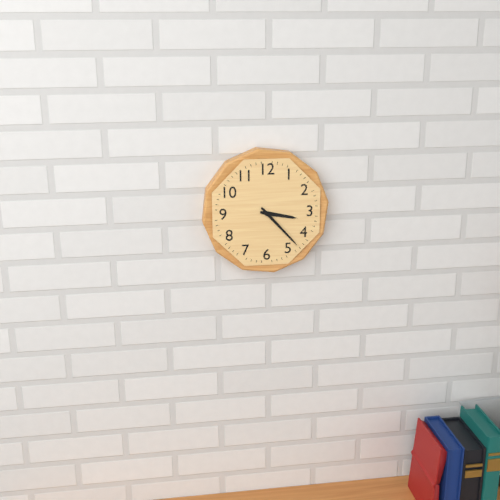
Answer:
3,23
